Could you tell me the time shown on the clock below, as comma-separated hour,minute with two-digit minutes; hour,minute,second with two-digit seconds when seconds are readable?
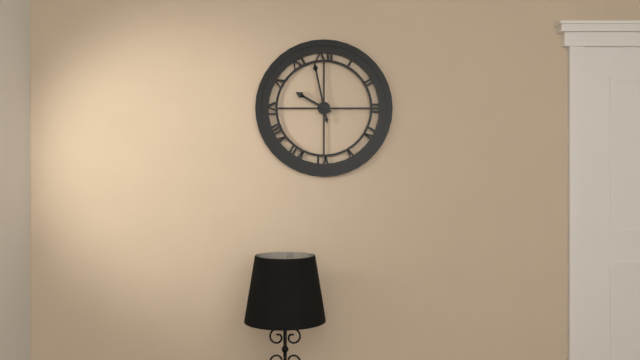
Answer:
9,58
